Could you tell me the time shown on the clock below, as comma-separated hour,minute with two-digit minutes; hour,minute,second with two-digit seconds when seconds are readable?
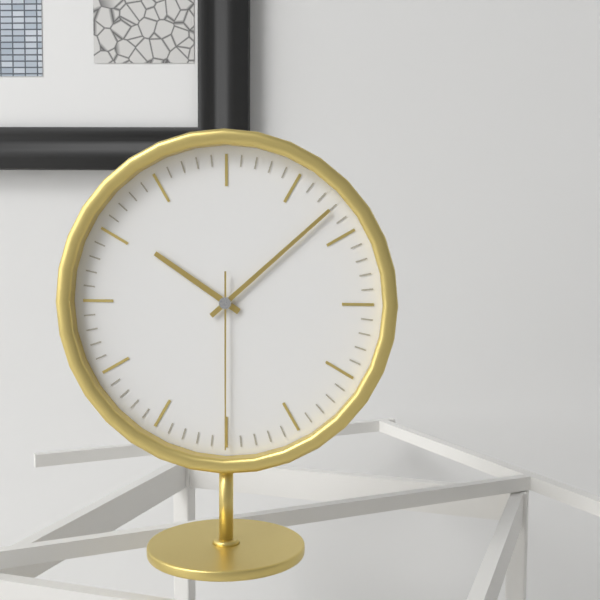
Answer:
10,08,30
